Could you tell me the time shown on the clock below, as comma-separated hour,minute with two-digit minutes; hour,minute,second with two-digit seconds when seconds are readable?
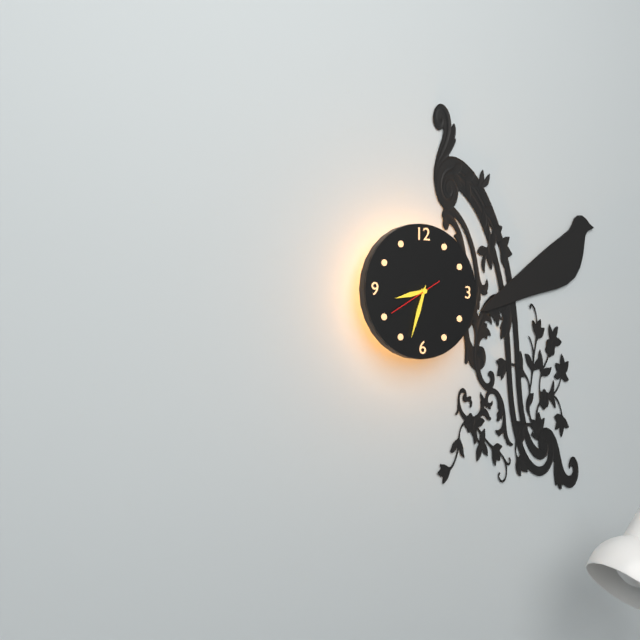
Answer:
8,33
